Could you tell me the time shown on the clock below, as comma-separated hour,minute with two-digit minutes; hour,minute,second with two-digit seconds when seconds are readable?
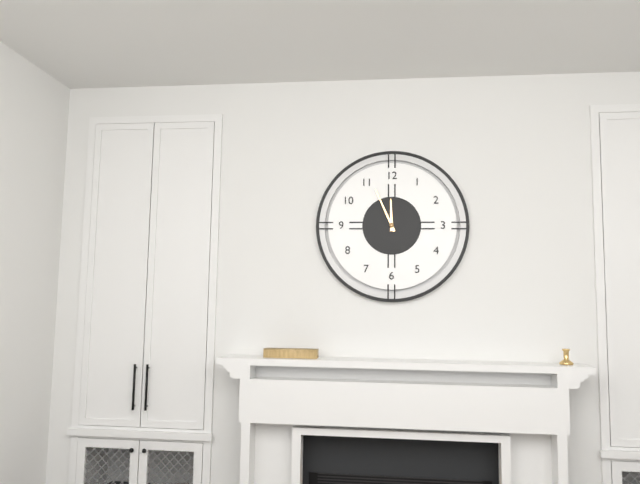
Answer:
11,56
